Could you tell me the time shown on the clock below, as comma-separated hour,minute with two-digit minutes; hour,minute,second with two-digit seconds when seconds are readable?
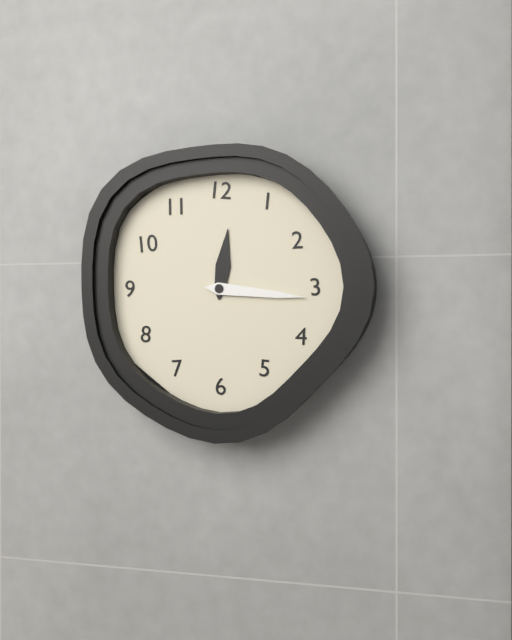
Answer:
12,16
